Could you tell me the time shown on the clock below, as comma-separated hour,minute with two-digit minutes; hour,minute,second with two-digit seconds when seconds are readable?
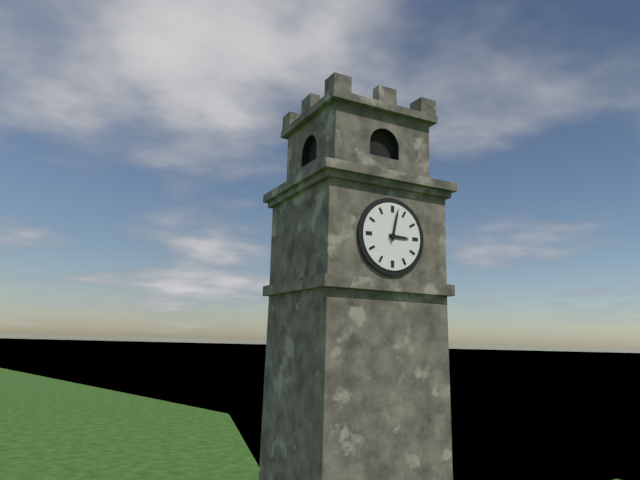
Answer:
3,02
